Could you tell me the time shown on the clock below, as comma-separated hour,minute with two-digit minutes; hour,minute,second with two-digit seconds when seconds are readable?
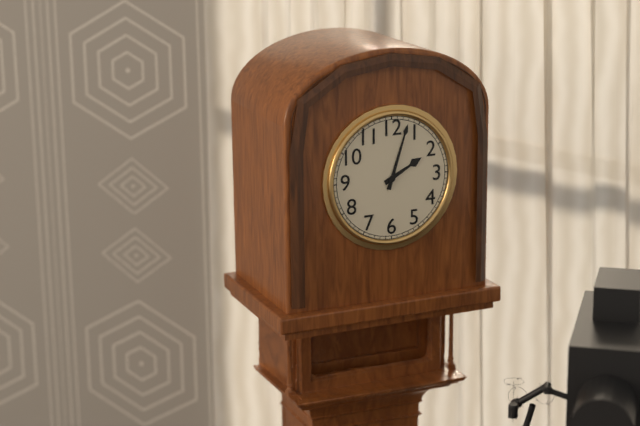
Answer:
2,03
